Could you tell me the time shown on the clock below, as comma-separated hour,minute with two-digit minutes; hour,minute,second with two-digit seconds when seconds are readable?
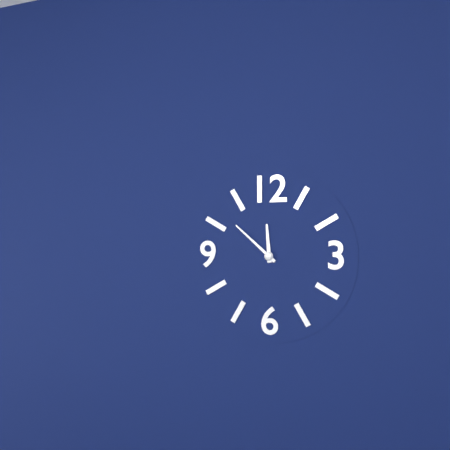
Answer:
11,52
